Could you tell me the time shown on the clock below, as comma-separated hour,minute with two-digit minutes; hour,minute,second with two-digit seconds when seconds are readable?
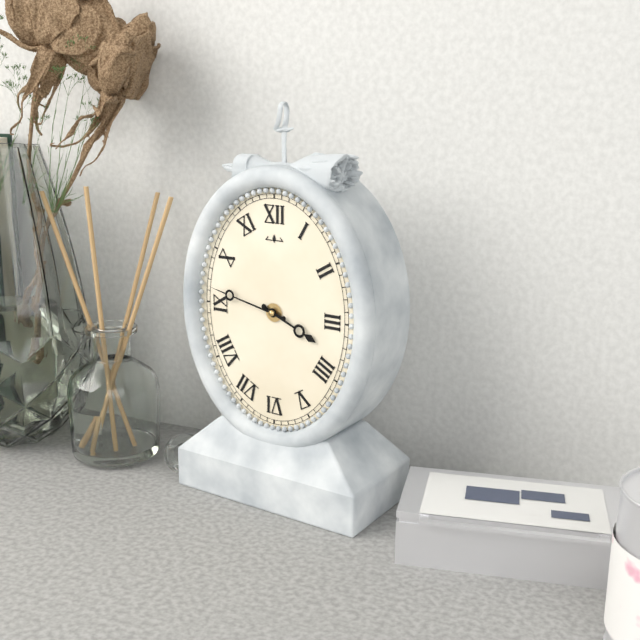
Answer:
3,47
